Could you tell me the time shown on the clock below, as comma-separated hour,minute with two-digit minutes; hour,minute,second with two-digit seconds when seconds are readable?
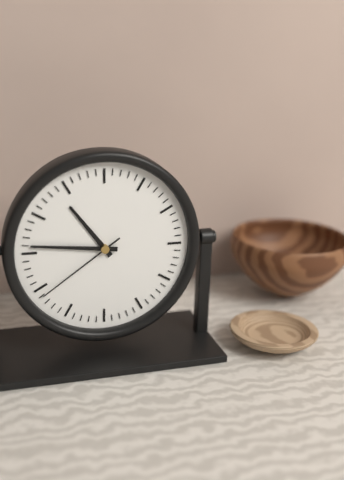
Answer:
10,46,39
